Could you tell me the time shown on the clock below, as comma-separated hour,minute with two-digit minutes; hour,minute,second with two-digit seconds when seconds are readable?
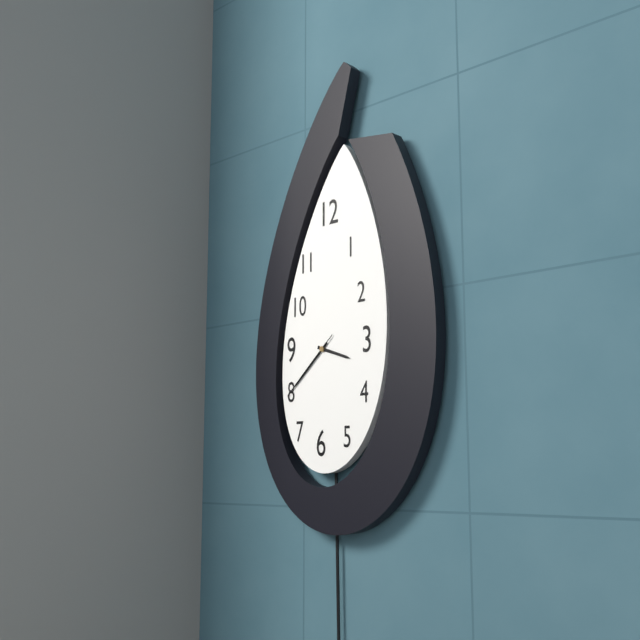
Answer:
3,38,38
